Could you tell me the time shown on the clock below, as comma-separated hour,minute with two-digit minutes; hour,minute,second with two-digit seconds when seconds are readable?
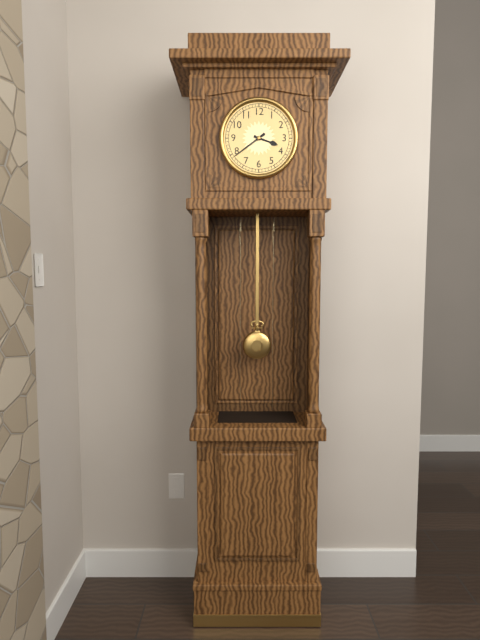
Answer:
3,39
